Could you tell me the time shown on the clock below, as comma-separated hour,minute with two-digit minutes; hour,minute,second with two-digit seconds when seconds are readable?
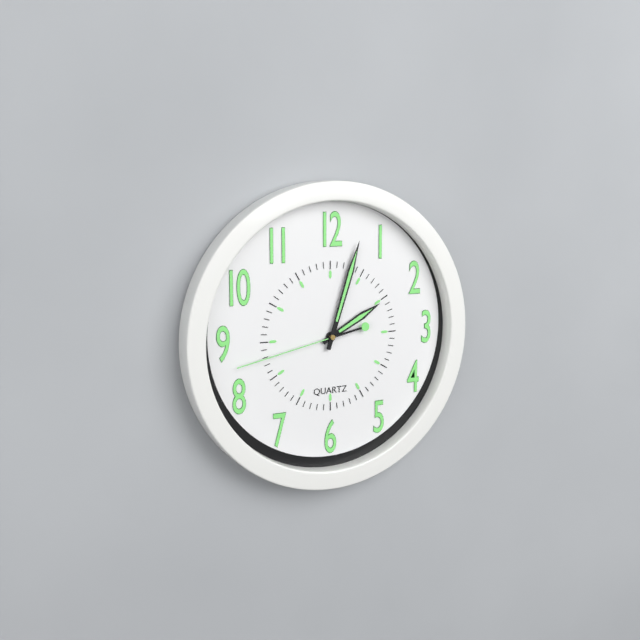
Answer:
2,03,43
